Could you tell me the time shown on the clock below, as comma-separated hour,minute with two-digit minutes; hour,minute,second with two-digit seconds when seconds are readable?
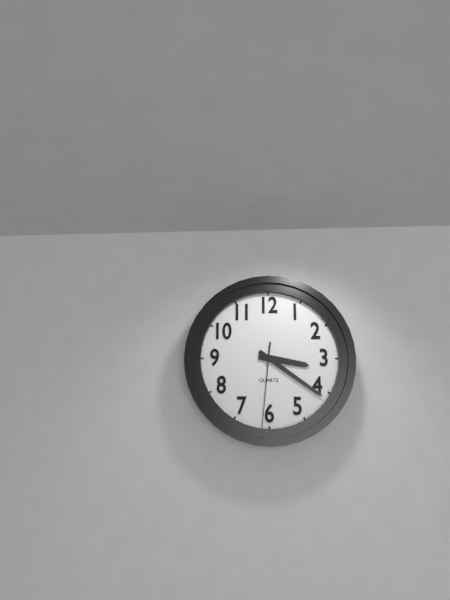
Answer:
3,21,31
